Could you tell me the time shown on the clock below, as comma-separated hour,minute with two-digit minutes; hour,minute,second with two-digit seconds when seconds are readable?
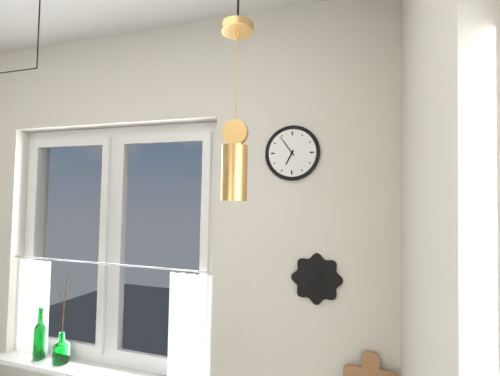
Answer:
6,54
